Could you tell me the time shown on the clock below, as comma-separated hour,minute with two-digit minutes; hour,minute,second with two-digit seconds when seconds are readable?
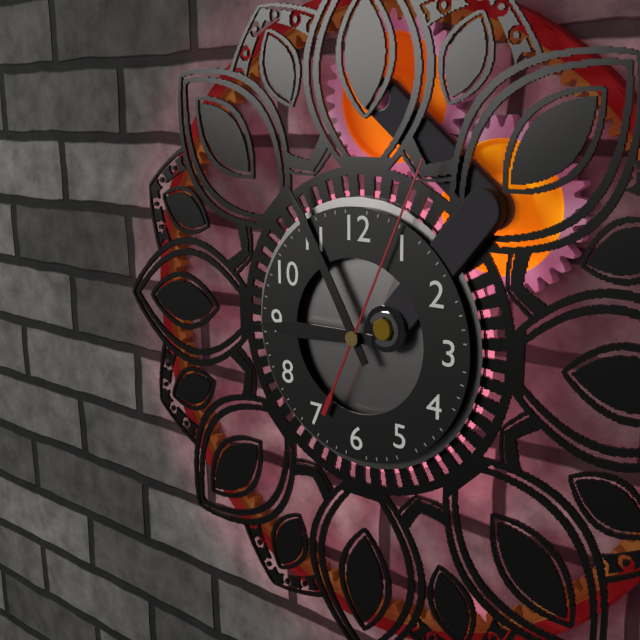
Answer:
8,55,04
